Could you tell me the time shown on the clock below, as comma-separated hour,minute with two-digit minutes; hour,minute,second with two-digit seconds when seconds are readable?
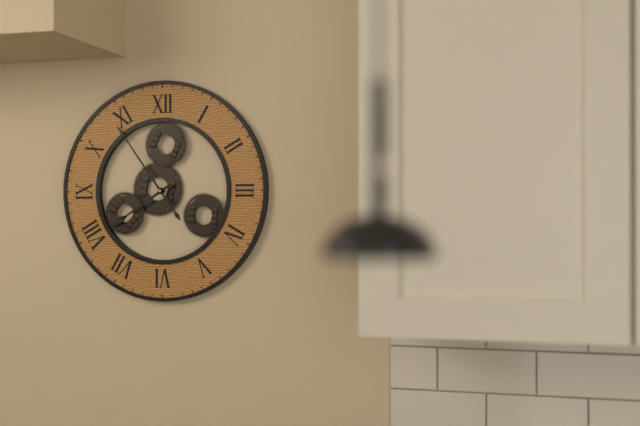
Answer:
7,54
